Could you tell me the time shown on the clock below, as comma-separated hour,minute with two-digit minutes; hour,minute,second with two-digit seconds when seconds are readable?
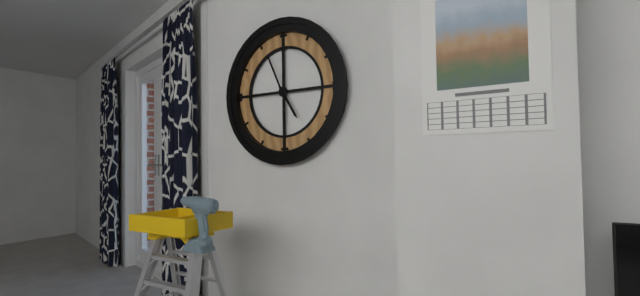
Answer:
4,56
